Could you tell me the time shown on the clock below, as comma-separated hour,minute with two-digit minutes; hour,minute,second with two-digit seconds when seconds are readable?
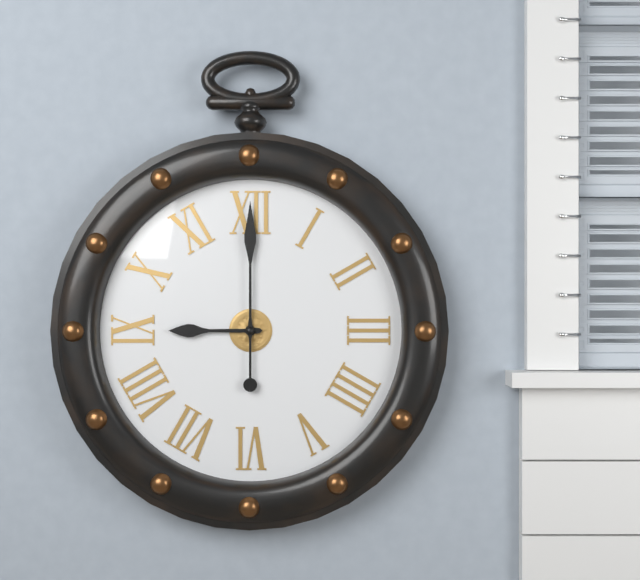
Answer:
9,00
